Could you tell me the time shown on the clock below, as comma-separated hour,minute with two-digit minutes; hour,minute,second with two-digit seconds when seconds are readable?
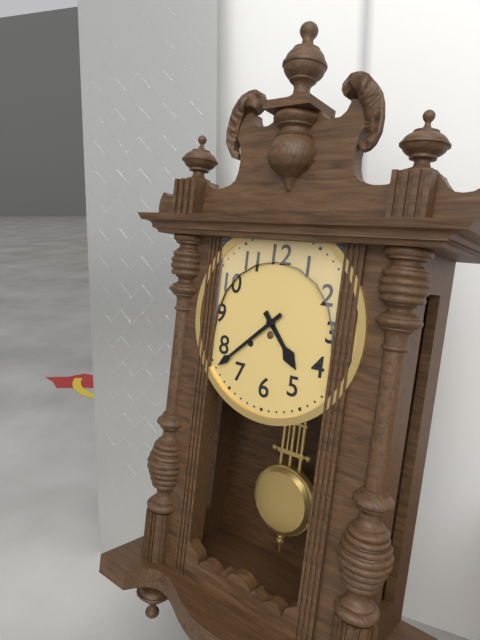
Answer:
4,38
